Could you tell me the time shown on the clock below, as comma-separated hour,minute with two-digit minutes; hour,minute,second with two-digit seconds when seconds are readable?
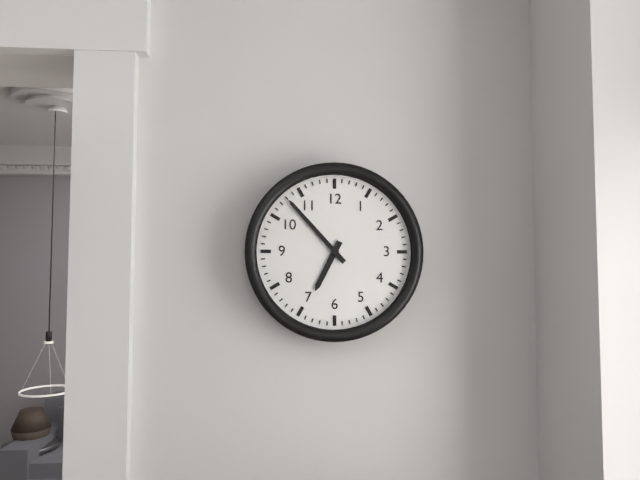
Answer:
6,53
